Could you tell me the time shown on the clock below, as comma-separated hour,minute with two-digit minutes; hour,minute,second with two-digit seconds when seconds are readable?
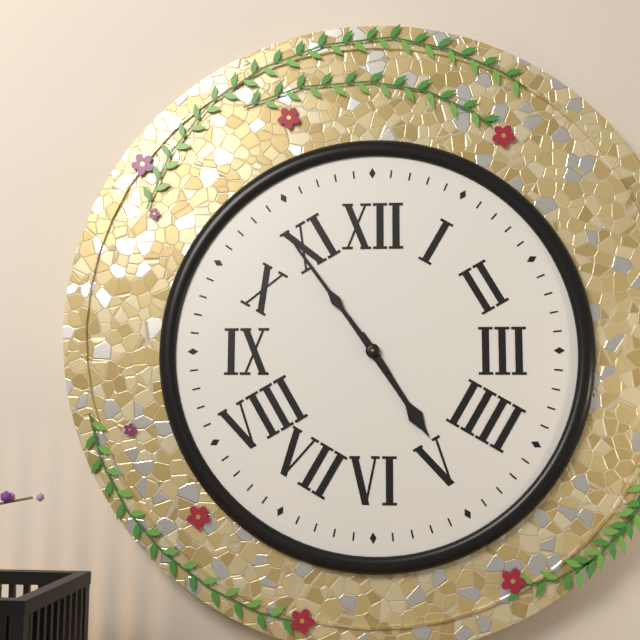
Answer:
4,54
